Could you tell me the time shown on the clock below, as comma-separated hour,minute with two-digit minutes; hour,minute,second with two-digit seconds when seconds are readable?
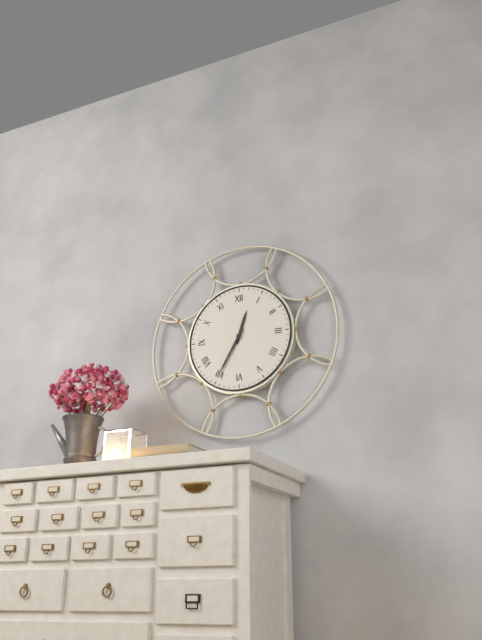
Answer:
12,35
